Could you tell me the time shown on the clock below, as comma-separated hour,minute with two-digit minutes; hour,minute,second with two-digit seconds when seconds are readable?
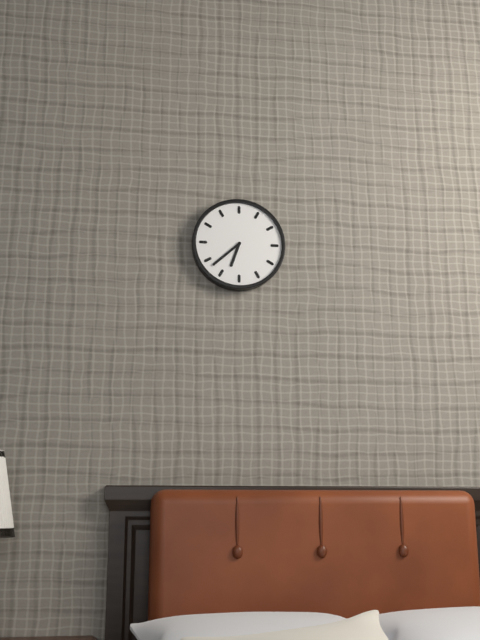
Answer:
6,38
